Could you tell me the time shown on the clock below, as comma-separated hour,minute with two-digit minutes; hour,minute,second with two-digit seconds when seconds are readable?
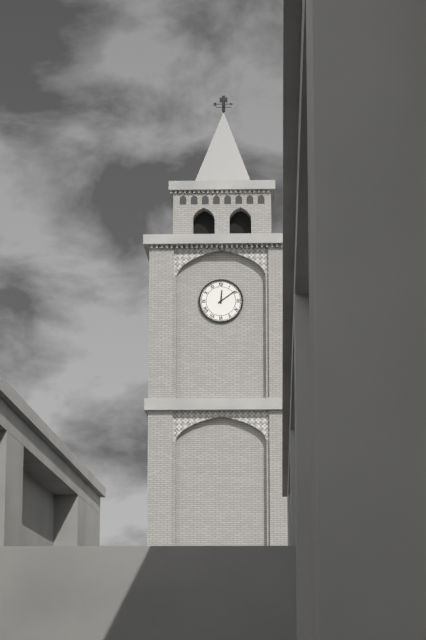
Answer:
12,09
